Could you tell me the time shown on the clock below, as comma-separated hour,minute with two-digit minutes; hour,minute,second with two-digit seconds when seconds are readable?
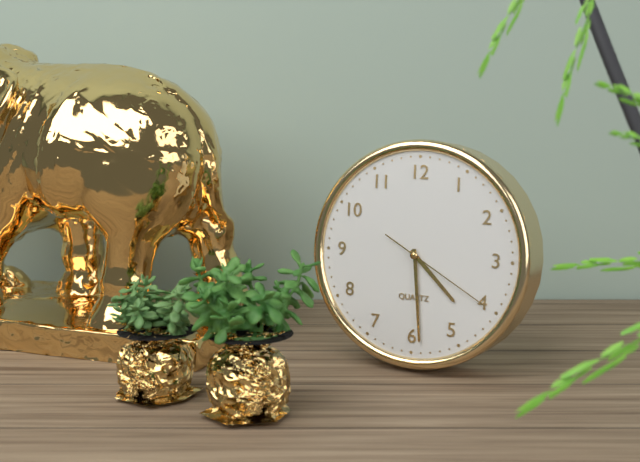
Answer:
4,29,20
